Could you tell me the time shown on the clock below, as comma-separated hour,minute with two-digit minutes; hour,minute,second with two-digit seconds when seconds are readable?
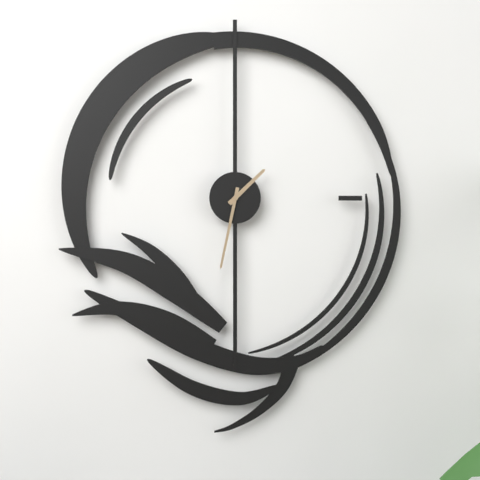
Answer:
1,32
